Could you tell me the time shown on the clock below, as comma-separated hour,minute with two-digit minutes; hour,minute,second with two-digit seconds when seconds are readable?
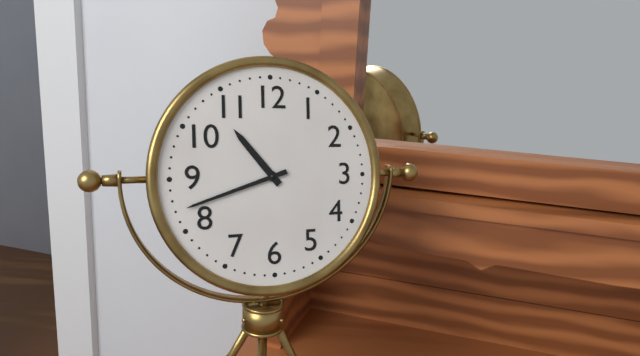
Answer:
10,42
